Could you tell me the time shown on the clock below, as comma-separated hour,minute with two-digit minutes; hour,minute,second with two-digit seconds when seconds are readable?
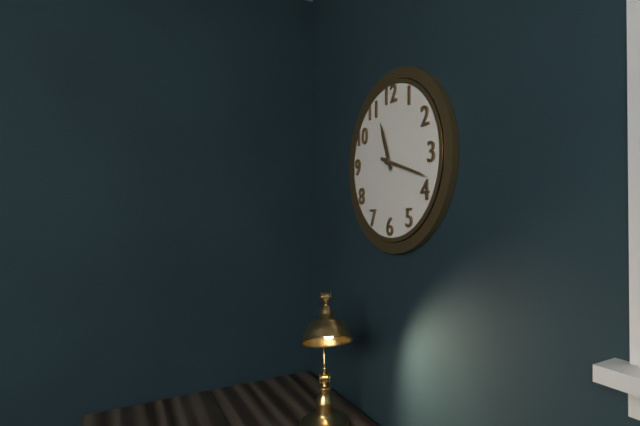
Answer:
11,18
